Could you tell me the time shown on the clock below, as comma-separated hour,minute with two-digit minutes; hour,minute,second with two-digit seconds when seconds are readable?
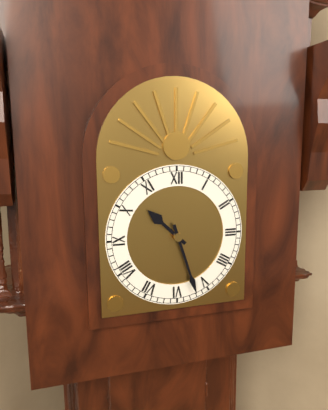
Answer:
10,27
